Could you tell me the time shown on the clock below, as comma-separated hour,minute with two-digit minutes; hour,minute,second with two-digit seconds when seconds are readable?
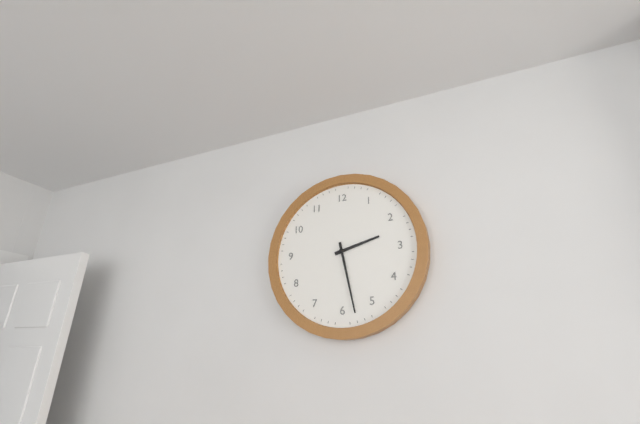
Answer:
2,28
